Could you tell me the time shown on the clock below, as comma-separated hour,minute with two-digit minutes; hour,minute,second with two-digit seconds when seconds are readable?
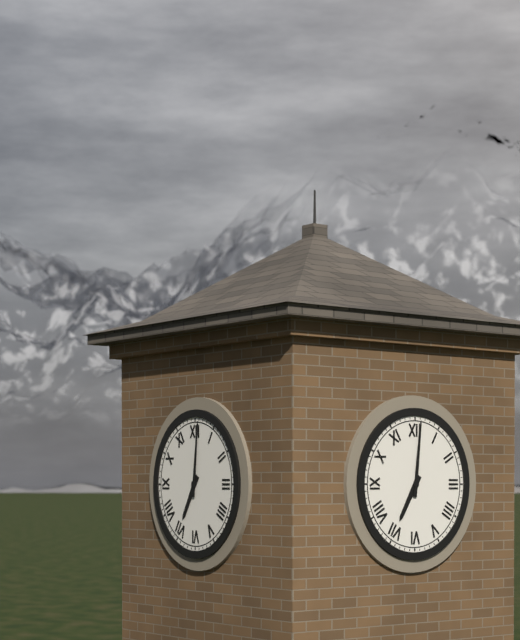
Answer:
7,01
